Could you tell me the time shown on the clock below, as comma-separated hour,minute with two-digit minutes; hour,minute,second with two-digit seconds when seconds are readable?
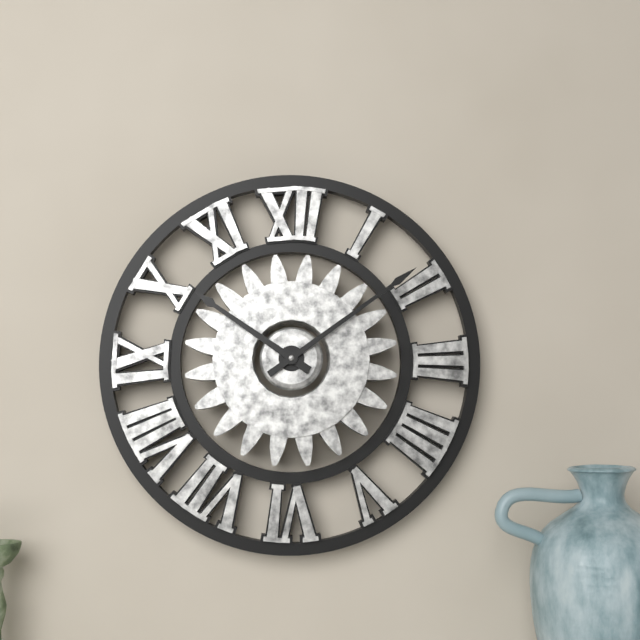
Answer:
10,09
